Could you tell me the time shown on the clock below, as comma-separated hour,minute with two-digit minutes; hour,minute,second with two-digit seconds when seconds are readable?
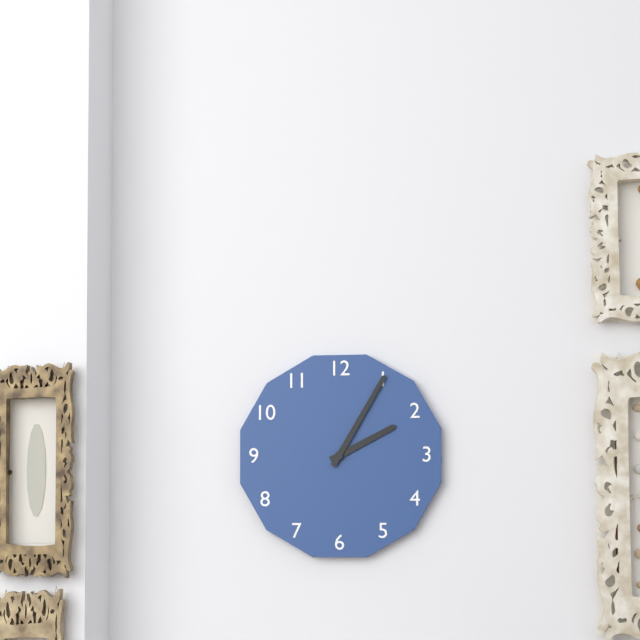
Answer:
2,05
